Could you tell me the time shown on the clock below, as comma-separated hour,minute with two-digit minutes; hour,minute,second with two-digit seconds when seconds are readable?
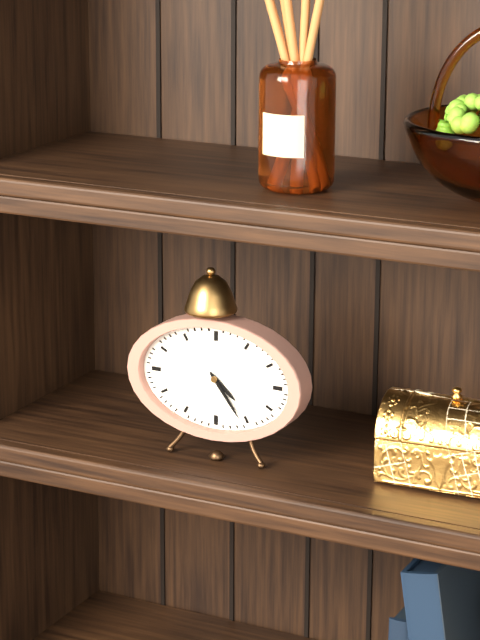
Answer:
4,24
